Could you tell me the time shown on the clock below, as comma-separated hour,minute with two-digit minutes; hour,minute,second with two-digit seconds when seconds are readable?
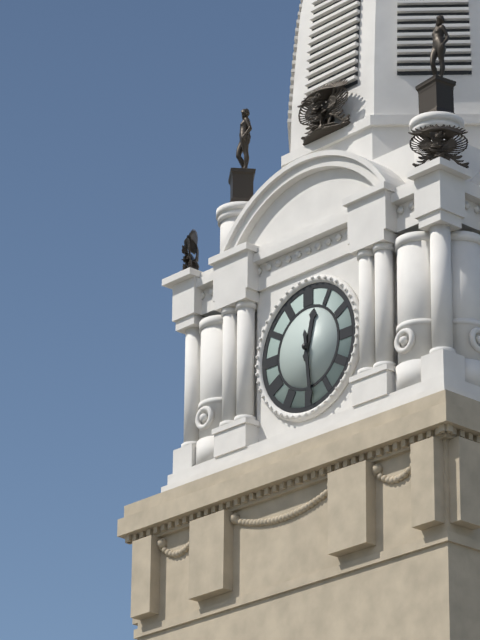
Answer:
12,29
